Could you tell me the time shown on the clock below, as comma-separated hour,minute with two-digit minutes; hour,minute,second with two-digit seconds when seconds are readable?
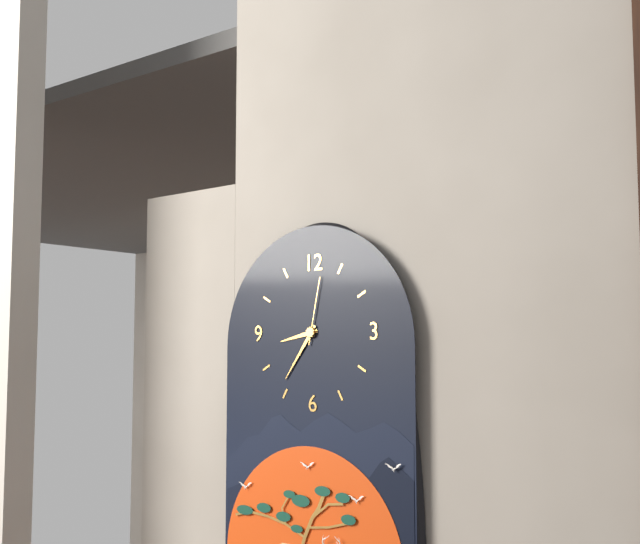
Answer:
8,36,02
